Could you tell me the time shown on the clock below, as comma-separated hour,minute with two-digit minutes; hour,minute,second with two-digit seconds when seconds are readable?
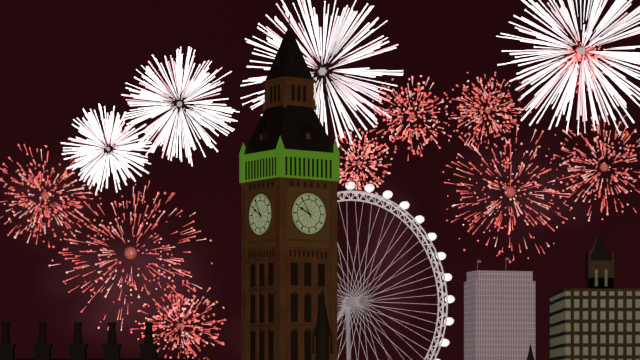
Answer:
9,55
